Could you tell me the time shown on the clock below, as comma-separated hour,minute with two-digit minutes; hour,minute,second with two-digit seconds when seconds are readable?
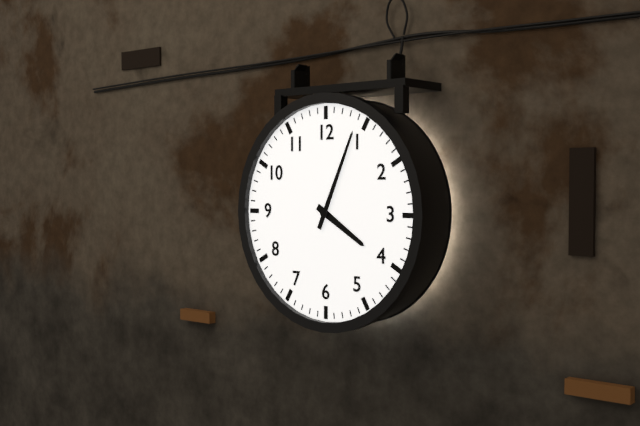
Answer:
4,04
